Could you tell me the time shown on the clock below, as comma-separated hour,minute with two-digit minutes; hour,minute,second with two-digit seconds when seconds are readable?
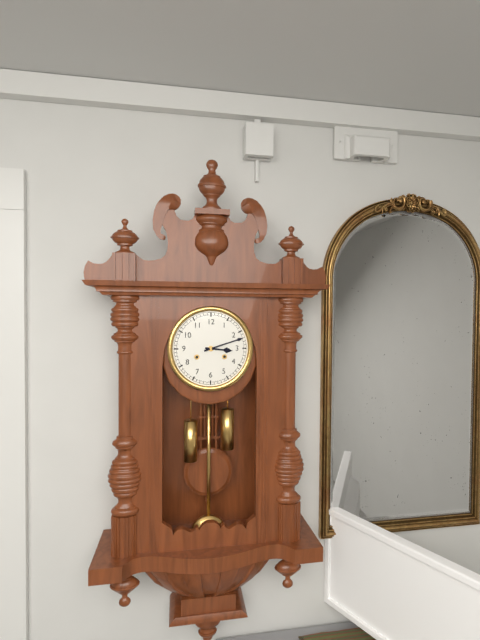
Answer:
3,12
